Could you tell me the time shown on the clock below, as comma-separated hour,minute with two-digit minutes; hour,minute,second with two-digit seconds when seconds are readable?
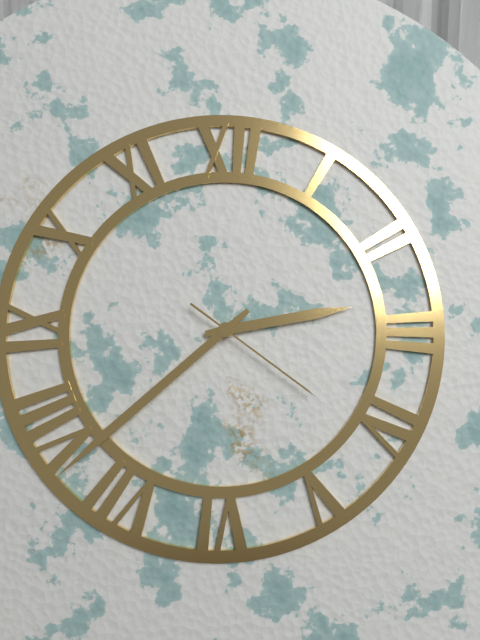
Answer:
2,38,21
